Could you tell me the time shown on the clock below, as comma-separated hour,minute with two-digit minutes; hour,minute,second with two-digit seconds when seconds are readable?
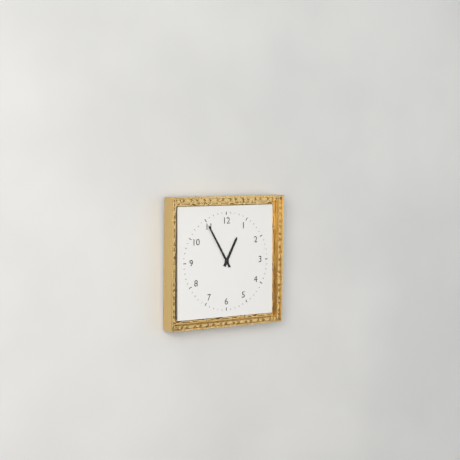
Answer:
12,55
